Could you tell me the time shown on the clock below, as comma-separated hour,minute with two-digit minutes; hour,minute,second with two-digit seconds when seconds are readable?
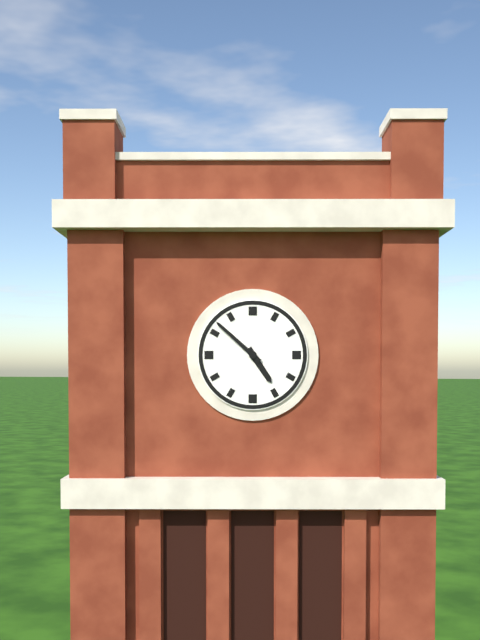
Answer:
4,52
